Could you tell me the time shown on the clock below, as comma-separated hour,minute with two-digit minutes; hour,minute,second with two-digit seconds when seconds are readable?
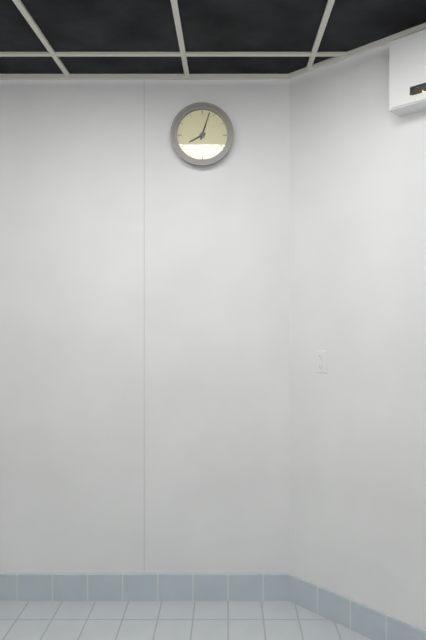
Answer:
8,03
